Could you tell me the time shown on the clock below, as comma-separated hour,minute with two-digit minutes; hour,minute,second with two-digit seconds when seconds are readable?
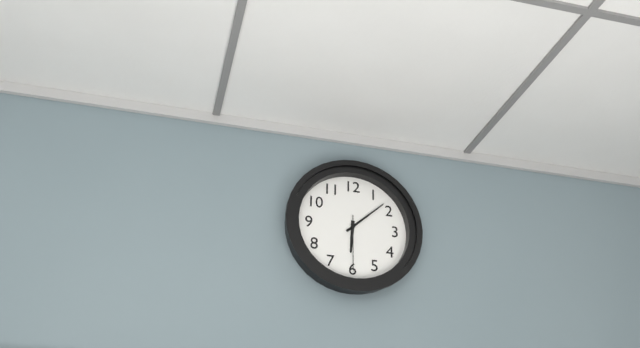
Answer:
6,08,30
